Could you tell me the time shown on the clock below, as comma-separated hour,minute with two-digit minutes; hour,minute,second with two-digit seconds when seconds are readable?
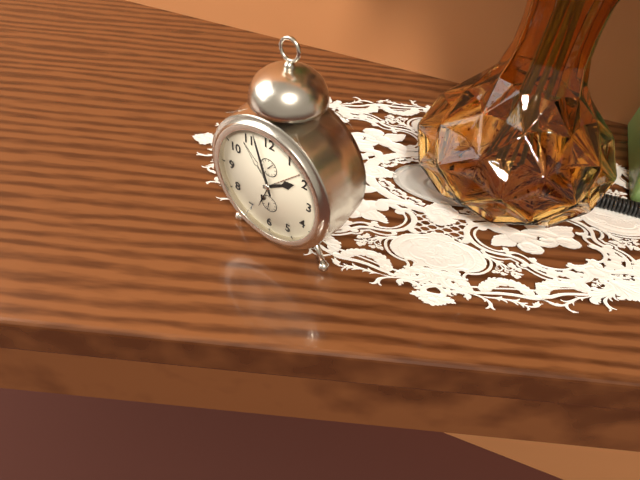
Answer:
1,57
